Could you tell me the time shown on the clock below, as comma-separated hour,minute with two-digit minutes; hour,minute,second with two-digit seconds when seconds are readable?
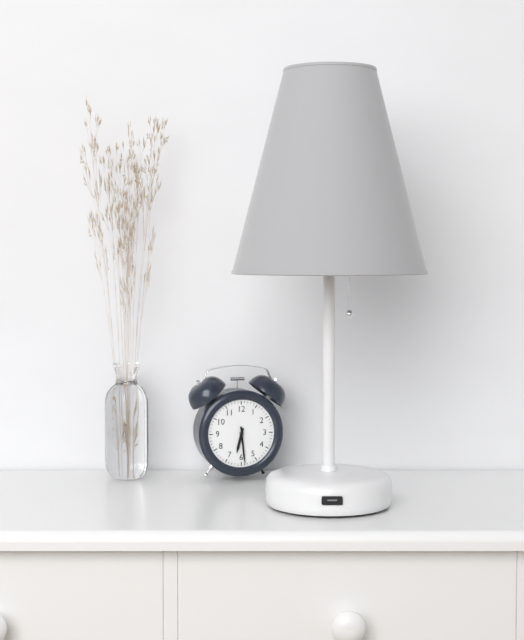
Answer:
6,29
